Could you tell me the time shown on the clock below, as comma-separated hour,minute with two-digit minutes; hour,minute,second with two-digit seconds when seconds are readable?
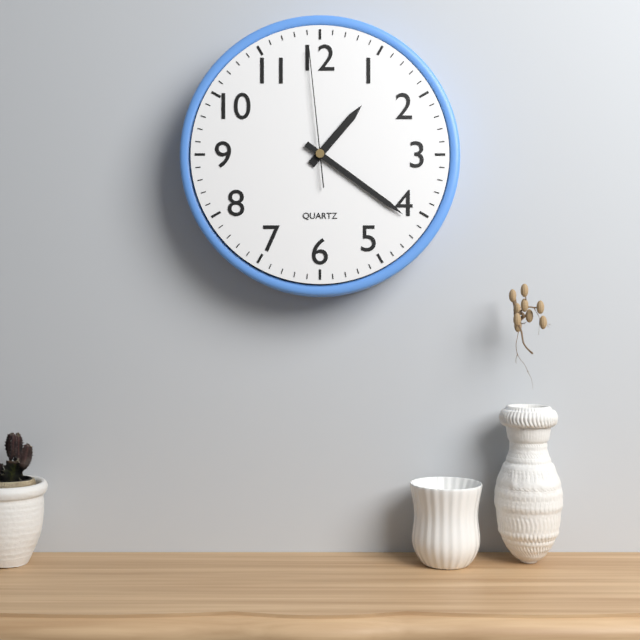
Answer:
1,21,59
